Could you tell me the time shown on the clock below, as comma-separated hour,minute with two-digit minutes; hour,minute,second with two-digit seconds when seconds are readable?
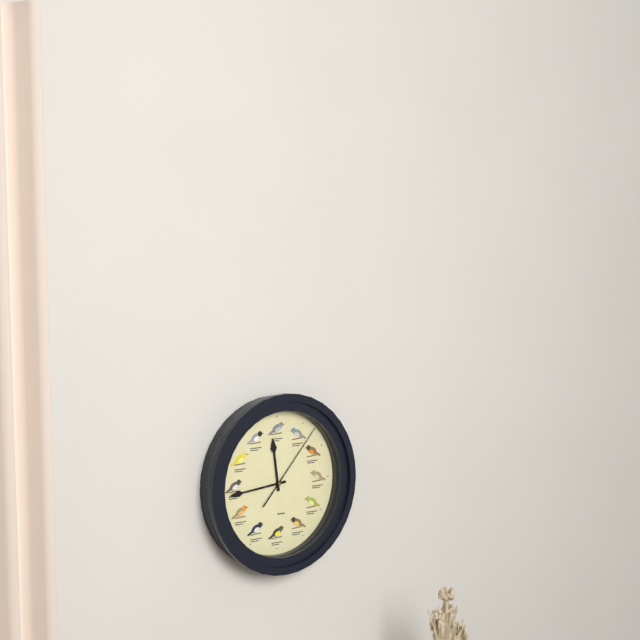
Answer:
11,44,07
